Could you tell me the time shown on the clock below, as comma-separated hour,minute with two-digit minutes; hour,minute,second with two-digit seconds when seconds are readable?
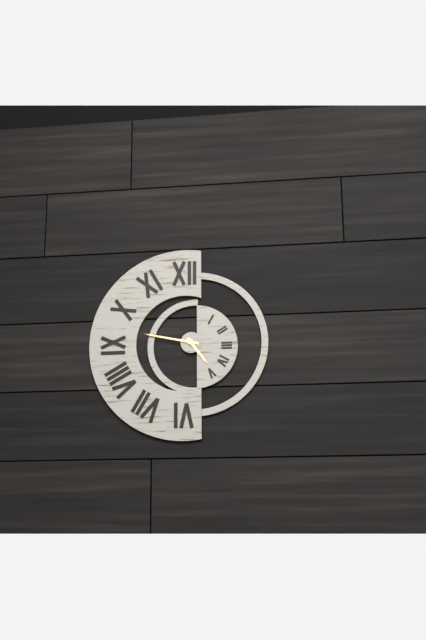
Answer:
4,47
